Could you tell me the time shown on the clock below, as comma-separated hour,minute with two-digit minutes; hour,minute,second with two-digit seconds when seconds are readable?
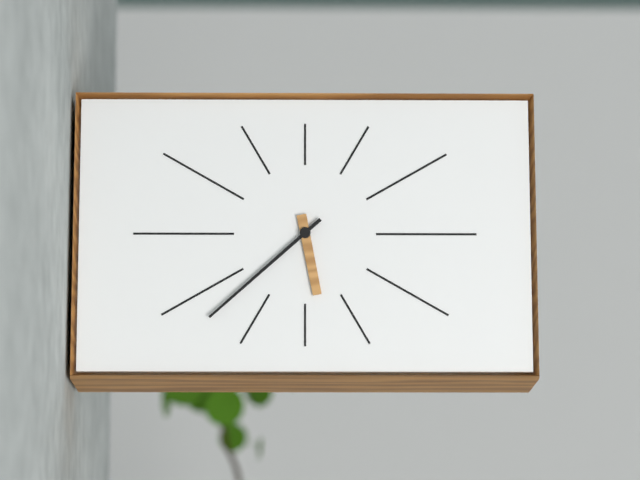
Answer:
5,38
